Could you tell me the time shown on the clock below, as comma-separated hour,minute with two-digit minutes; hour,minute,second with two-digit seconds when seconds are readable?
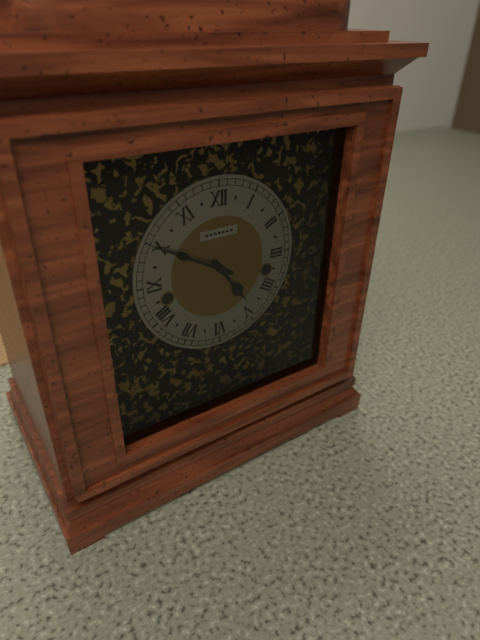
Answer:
4,50
